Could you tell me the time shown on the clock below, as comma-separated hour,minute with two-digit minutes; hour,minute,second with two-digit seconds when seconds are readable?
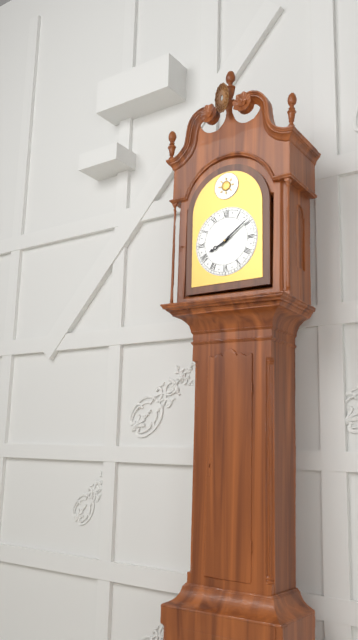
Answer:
8,09
